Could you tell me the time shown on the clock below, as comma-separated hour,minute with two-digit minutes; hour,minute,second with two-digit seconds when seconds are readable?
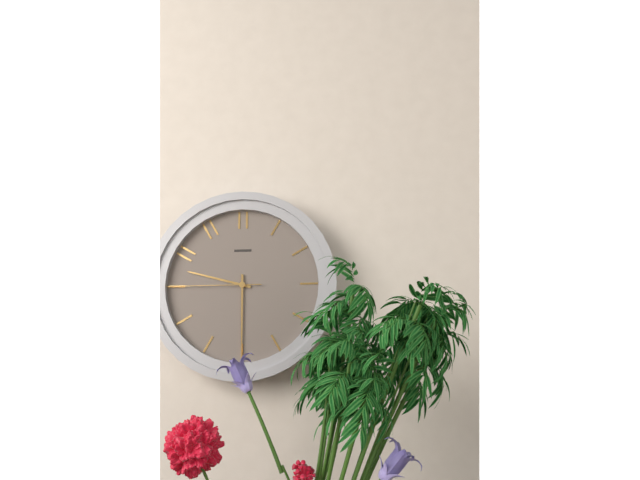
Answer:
9,30,45
